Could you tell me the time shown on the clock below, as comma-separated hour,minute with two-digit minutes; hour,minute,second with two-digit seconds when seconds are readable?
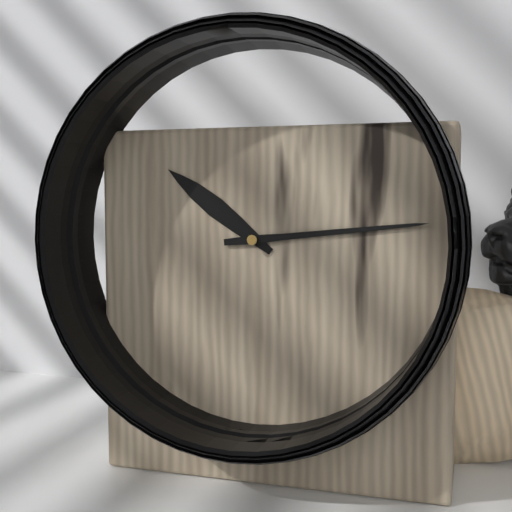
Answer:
10,14
